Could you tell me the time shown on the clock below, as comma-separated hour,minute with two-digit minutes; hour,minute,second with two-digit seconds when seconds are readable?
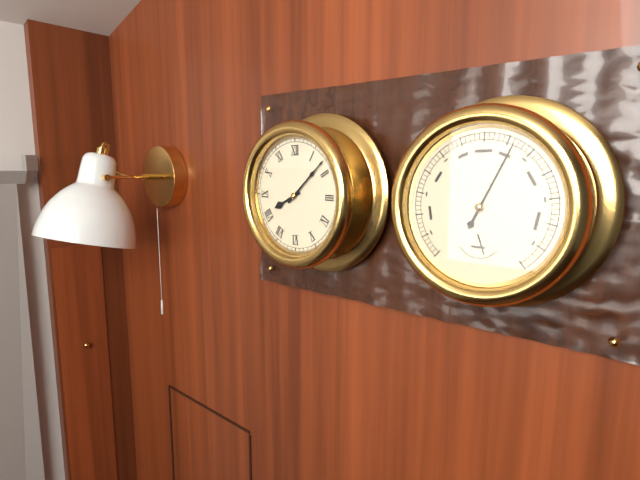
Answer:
8,08
